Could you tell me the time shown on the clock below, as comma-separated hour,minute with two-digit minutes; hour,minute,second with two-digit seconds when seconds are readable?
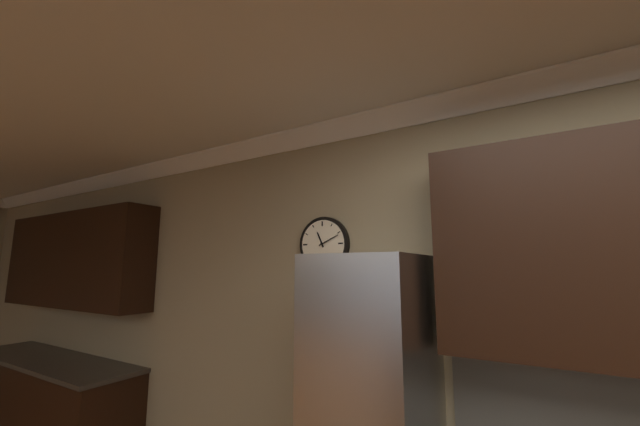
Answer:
11,11
